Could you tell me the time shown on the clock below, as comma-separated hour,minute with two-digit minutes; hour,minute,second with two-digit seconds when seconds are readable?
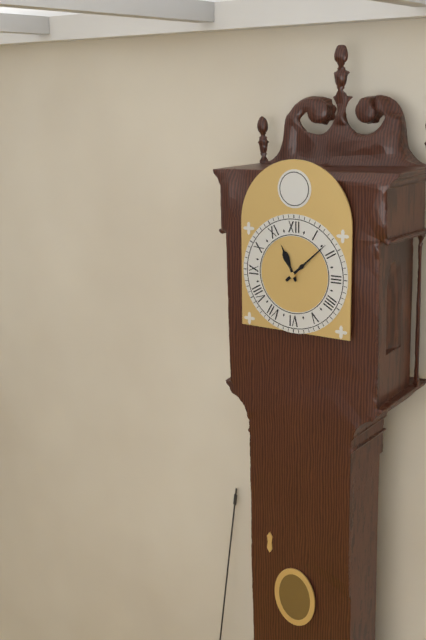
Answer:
11,08
